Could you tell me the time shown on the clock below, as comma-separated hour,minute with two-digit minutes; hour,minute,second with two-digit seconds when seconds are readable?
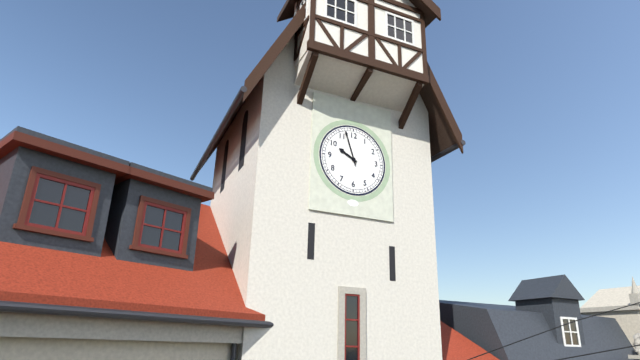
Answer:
9,57
